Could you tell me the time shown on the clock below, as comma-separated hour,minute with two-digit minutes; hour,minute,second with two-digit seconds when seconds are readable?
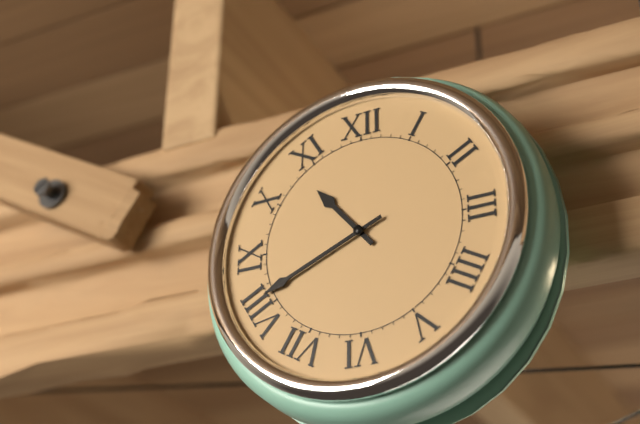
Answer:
10,41
